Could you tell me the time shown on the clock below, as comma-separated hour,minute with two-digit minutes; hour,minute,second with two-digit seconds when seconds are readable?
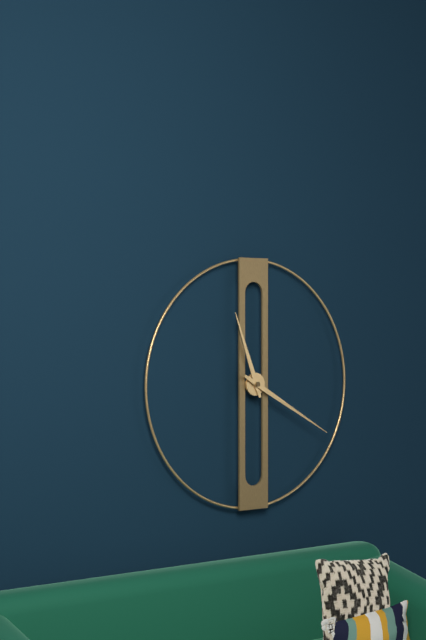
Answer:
11,20
